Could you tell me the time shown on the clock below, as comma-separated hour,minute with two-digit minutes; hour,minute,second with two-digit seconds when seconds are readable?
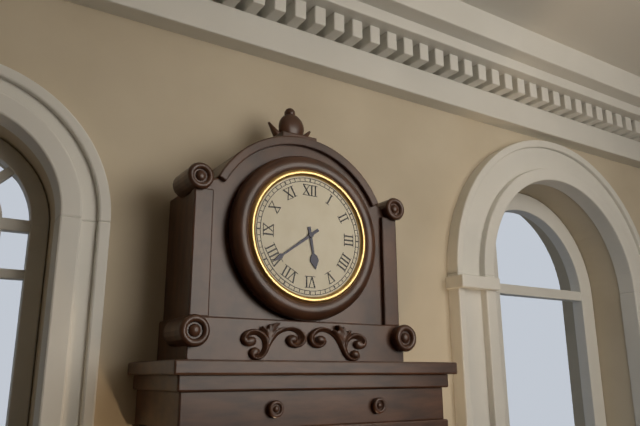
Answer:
5,39
